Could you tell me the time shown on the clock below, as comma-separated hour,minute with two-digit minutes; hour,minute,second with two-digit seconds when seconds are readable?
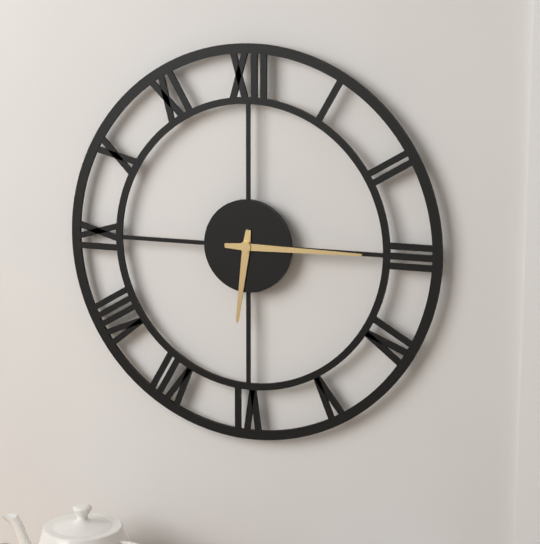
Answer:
6,15
